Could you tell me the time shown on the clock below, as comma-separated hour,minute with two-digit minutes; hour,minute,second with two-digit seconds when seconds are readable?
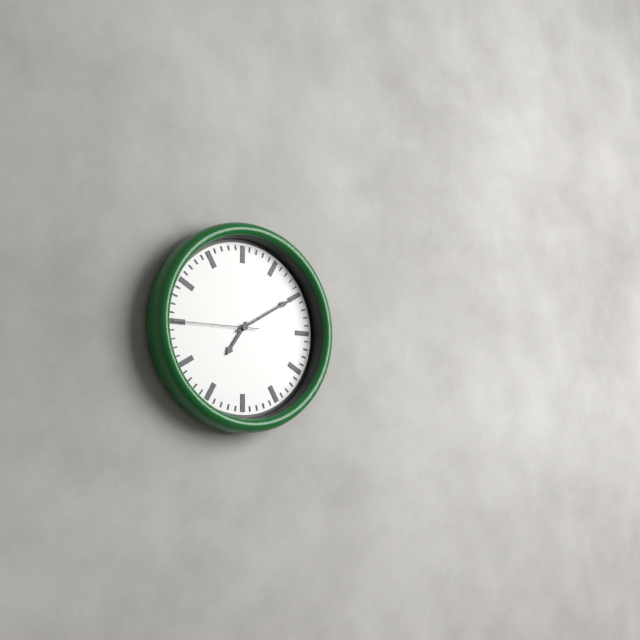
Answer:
7,10,45
